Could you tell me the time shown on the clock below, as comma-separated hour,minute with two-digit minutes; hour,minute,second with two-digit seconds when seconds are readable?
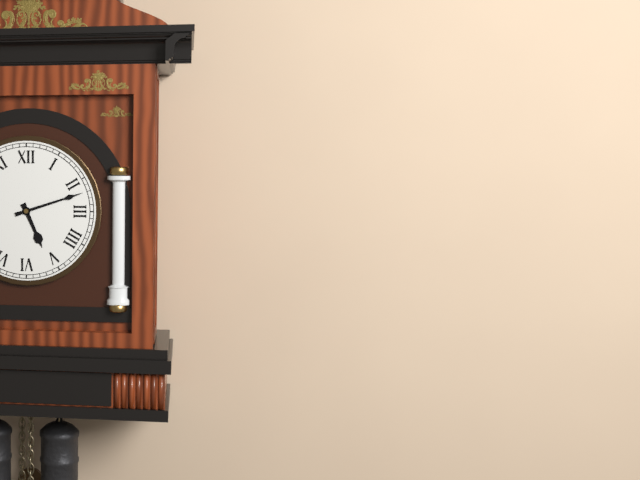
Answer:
5,12
